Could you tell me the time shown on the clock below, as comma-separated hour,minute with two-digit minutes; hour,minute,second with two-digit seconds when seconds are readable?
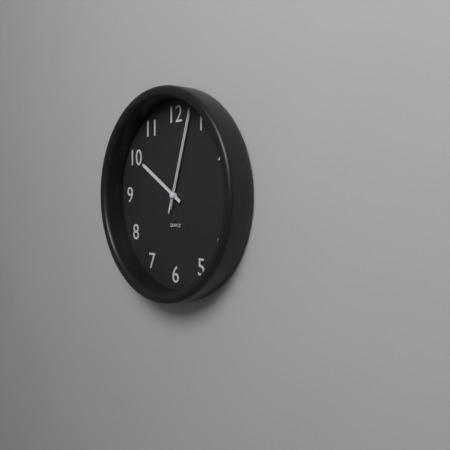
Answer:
10,03,03
